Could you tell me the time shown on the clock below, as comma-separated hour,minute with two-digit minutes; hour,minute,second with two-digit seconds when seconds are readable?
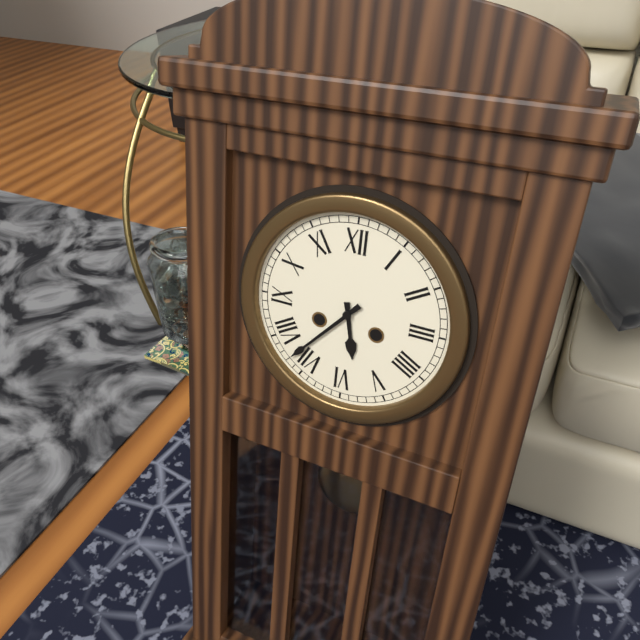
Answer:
5,37
